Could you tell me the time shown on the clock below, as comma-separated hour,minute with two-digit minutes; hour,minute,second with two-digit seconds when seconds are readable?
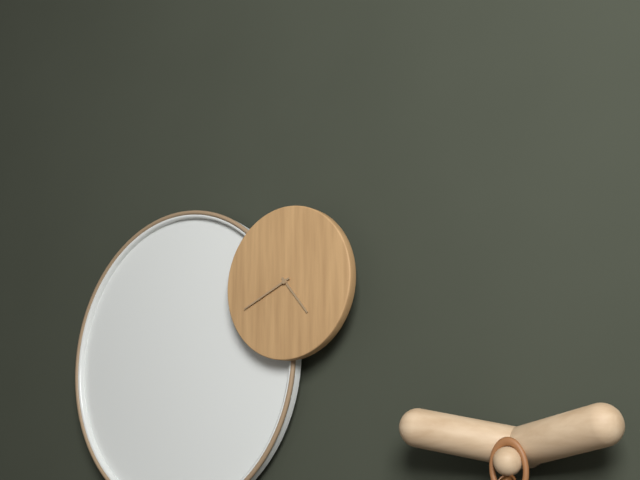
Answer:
4,41
